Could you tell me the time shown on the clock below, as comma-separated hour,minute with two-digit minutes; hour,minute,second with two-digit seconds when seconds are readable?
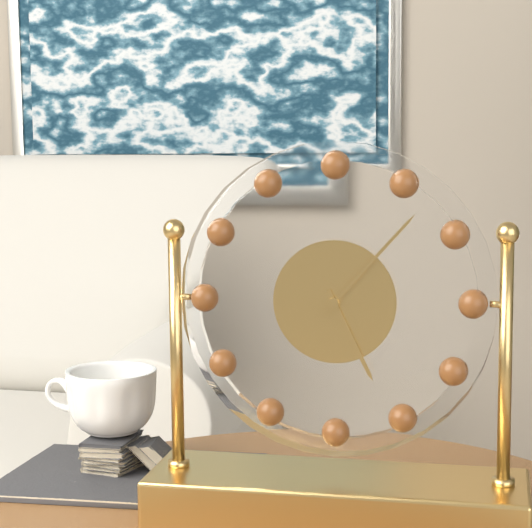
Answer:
5,07
